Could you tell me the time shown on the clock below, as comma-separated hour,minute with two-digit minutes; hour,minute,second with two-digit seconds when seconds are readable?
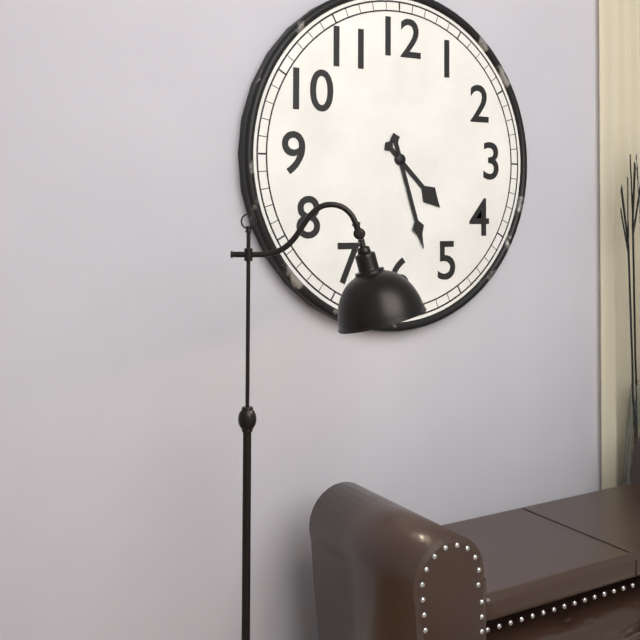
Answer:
4,27
